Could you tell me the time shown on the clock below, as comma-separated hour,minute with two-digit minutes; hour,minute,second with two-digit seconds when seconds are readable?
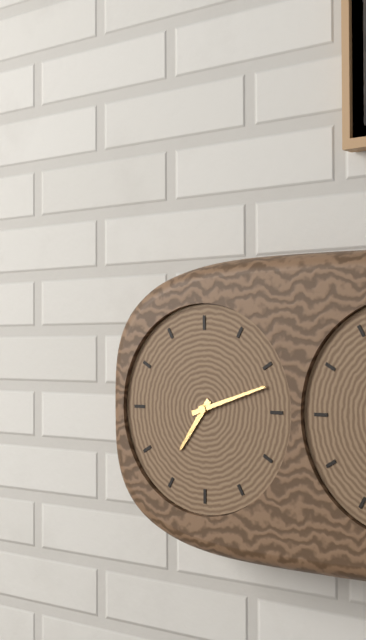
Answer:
7,12
